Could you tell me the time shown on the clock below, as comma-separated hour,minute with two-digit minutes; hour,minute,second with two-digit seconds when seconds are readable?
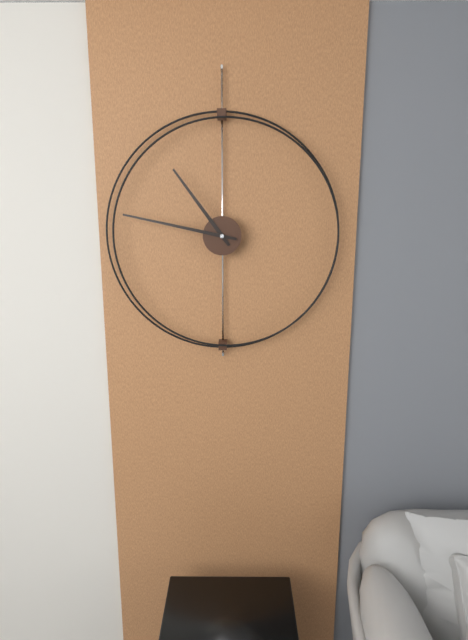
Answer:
10,47
